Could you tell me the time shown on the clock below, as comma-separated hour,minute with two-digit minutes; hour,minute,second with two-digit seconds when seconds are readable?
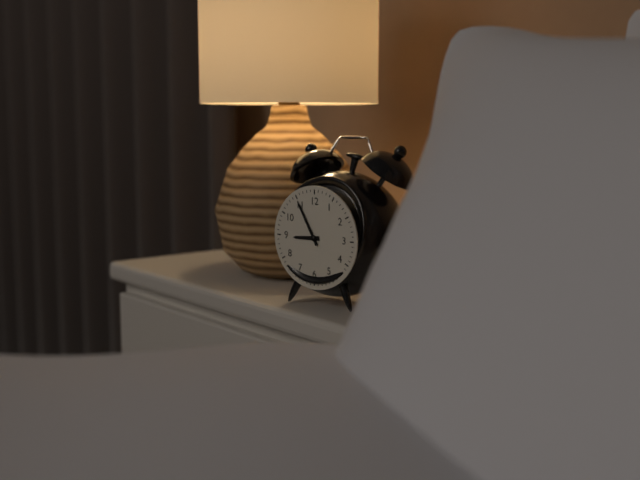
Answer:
8,55
